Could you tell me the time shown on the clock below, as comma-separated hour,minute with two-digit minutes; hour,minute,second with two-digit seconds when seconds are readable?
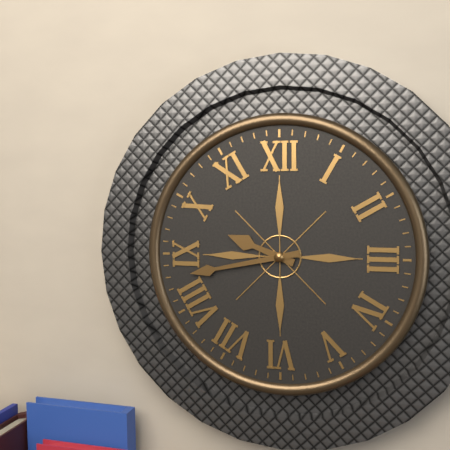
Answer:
9,43
